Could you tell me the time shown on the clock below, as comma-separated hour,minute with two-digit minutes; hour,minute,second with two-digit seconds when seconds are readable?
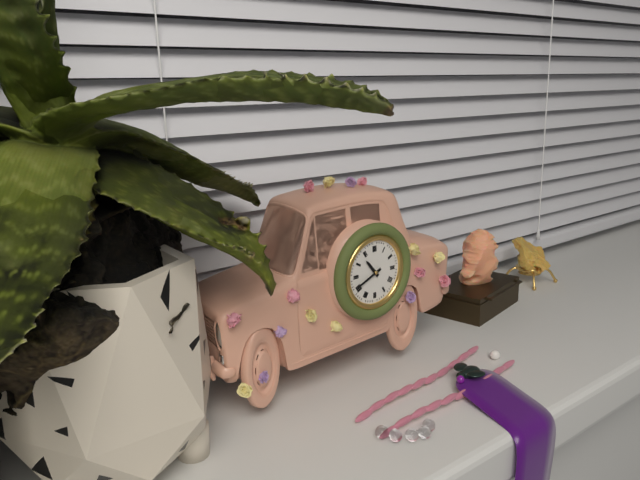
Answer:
10,41
